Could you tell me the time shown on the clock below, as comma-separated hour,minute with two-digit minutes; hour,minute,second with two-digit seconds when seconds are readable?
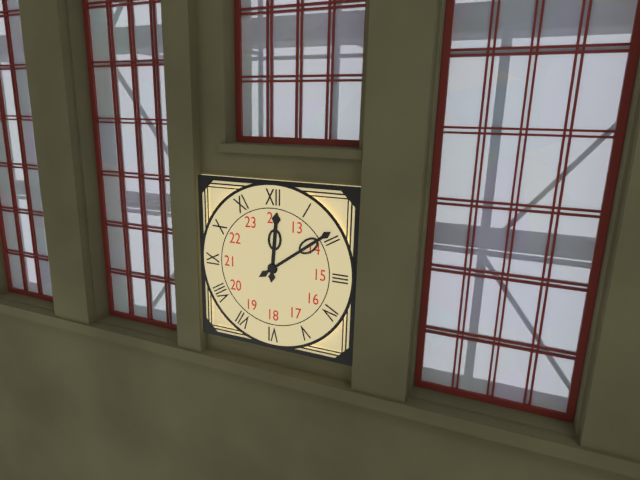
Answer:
12,09
